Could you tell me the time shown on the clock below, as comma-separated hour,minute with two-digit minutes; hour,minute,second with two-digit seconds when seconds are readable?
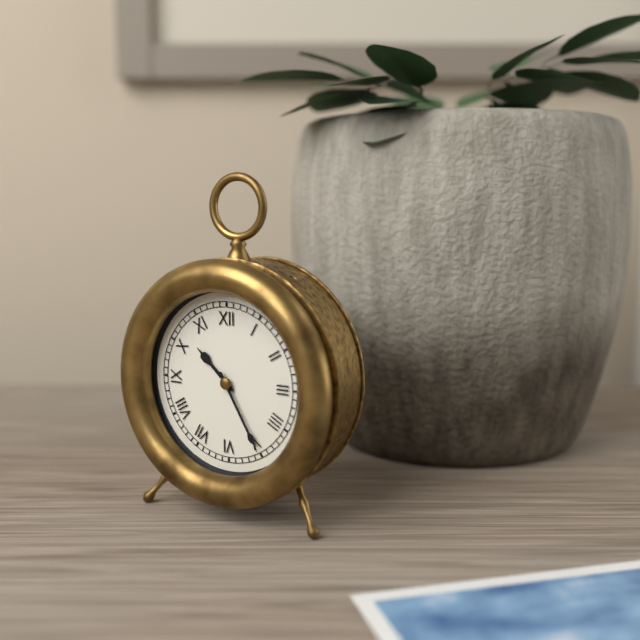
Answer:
10,25
